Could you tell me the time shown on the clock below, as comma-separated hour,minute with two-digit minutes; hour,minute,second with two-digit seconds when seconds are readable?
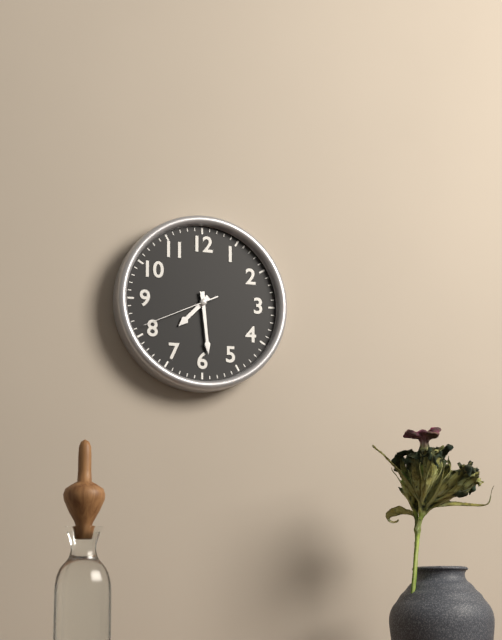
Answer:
7,29,41
